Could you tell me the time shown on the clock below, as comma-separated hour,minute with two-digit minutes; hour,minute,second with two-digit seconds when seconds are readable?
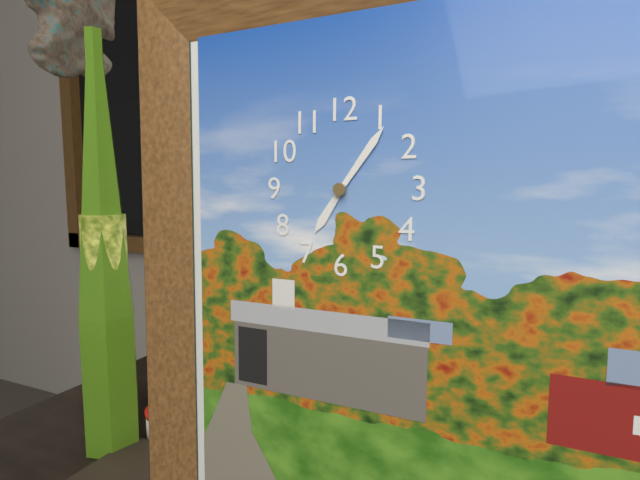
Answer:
7,06
